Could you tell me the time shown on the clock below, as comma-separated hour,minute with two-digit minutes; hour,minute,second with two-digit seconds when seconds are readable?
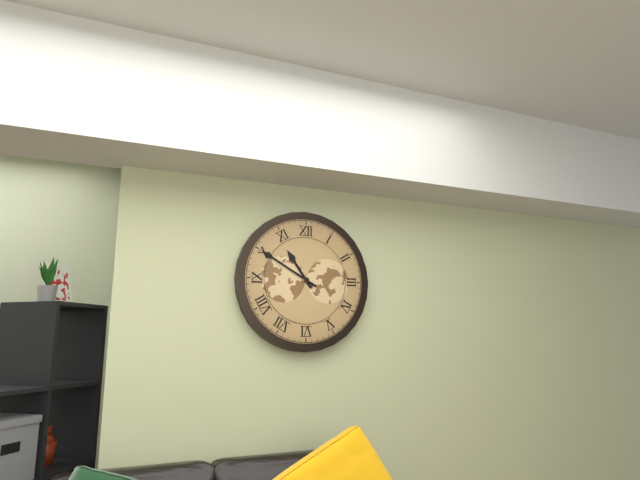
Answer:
10,50
